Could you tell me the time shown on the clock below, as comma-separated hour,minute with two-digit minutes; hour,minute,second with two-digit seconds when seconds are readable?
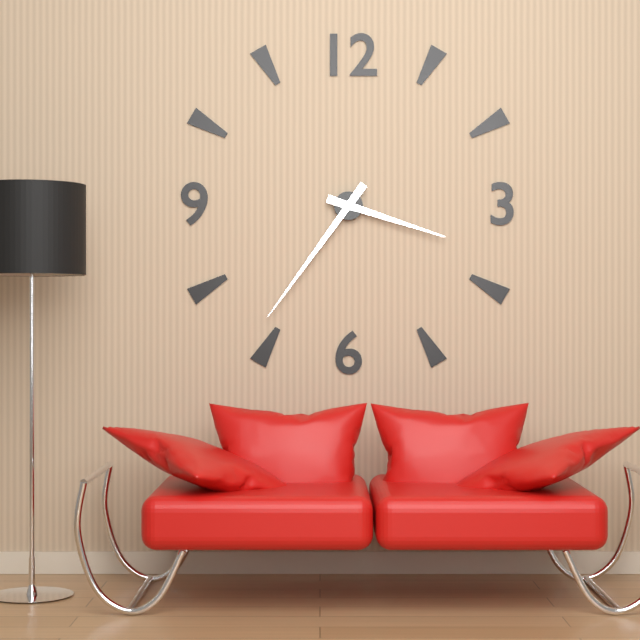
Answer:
3,36
